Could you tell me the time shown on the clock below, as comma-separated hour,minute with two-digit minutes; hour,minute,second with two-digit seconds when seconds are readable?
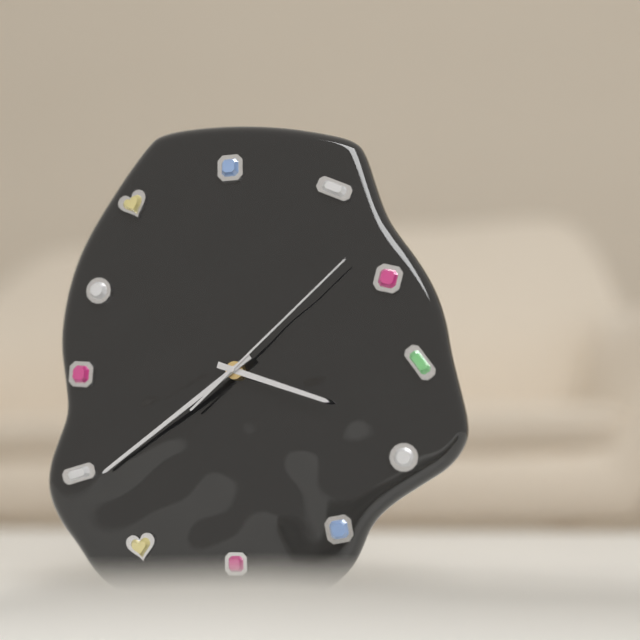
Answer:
3,39,08
